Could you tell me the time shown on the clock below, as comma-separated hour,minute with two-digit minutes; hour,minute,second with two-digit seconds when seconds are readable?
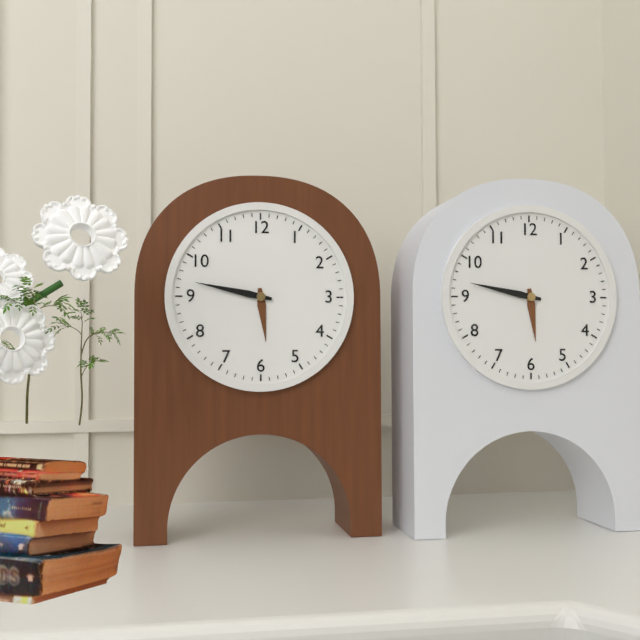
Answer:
5,47
